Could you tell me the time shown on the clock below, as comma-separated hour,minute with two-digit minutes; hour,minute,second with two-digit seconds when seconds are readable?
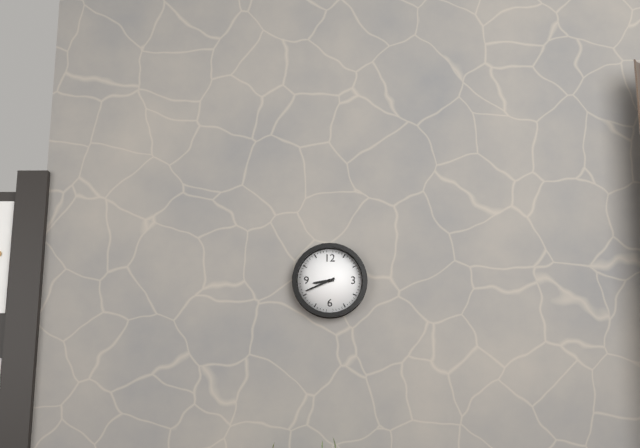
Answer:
8,41
